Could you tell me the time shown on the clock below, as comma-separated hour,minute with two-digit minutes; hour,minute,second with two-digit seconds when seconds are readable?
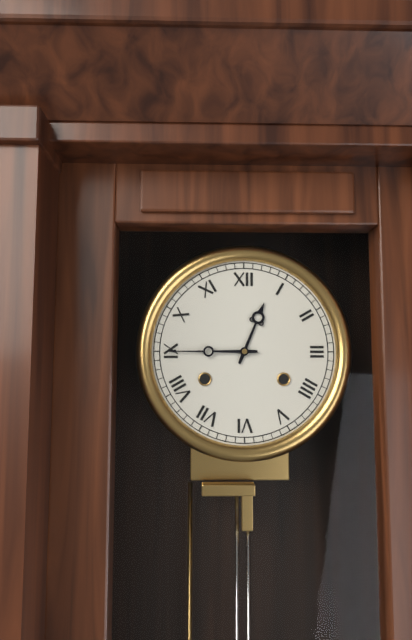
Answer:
12,45
